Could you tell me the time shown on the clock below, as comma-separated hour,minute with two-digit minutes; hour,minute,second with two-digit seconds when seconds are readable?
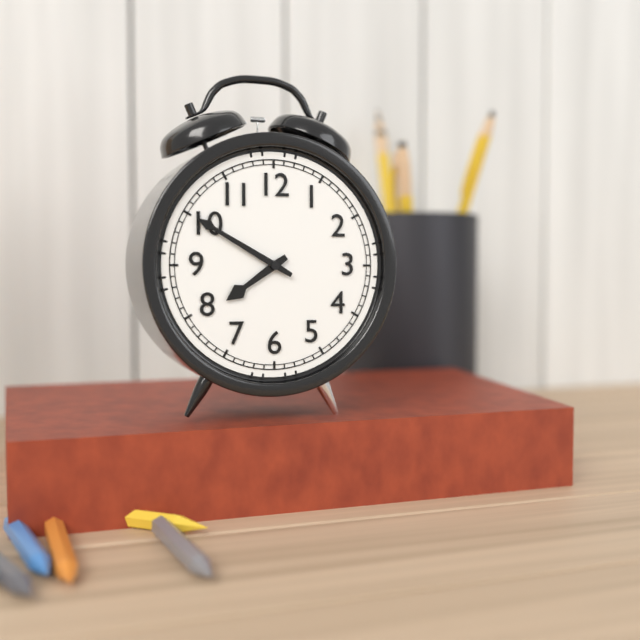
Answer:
7,50
